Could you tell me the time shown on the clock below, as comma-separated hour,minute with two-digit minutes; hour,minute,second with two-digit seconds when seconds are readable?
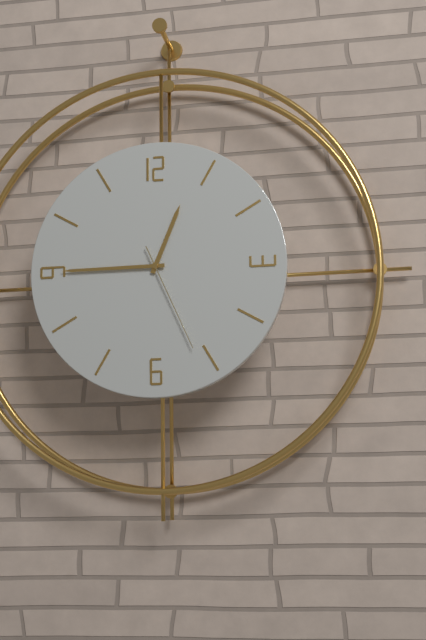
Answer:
12,45,26
